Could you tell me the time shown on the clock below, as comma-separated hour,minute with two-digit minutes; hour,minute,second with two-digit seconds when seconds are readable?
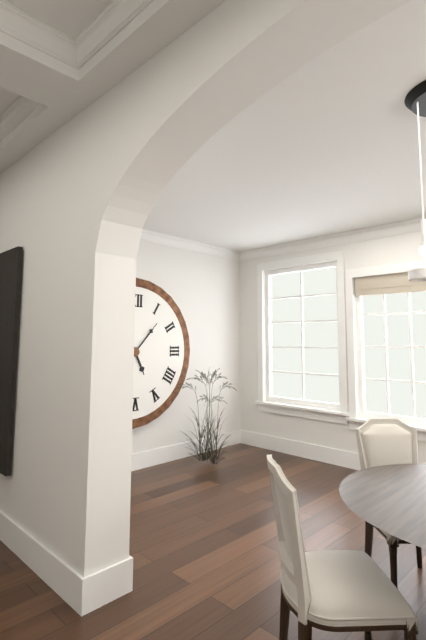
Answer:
5,07
